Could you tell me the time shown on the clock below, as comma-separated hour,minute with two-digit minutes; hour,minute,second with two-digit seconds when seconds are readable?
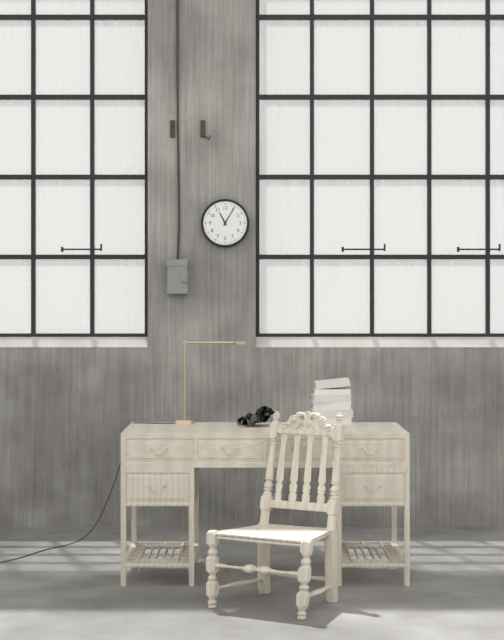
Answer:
11,05
